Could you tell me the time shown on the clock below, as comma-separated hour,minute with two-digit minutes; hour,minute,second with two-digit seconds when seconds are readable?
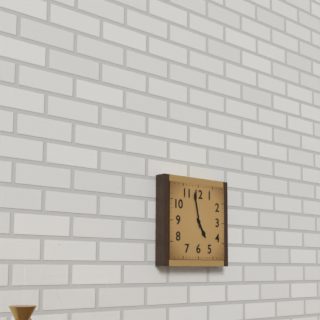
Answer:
4,58
